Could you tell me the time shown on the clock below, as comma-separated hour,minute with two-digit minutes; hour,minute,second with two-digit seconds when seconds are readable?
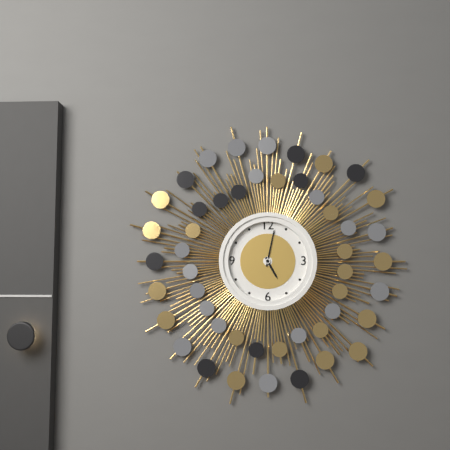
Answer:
5,02
